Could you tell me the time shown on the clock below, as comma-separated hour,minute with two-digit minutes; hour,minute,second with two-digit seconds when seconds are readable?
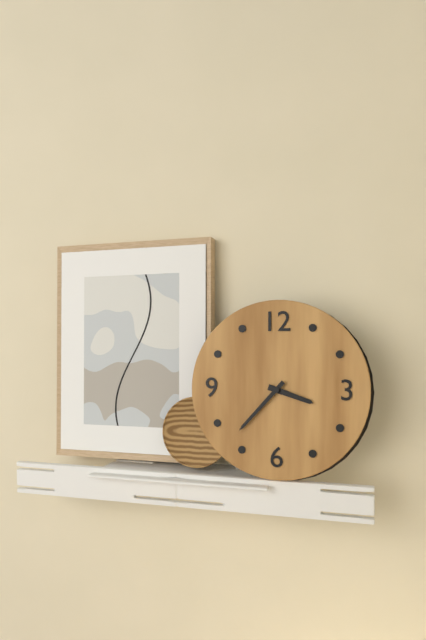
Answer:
3,37
